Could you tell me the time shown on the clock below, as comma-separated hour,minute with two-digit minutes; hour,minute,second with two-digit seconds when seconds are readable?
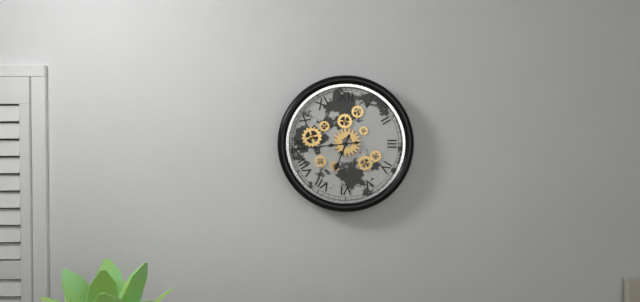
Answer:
6,44
